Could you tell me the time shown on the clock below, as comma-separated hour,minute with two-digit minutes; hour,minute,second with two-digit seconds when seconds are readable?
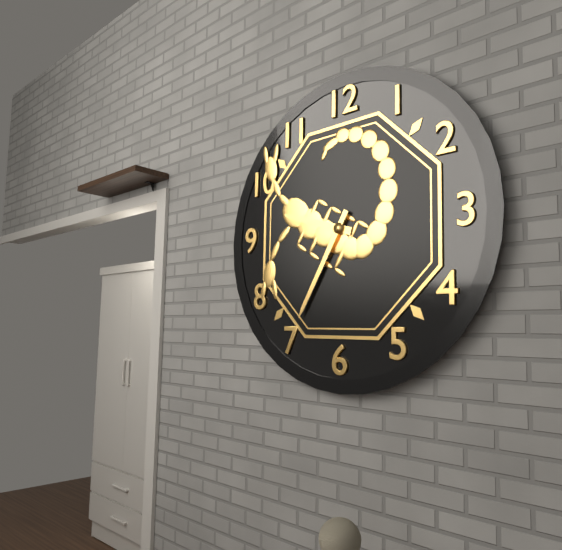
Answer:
9,35
